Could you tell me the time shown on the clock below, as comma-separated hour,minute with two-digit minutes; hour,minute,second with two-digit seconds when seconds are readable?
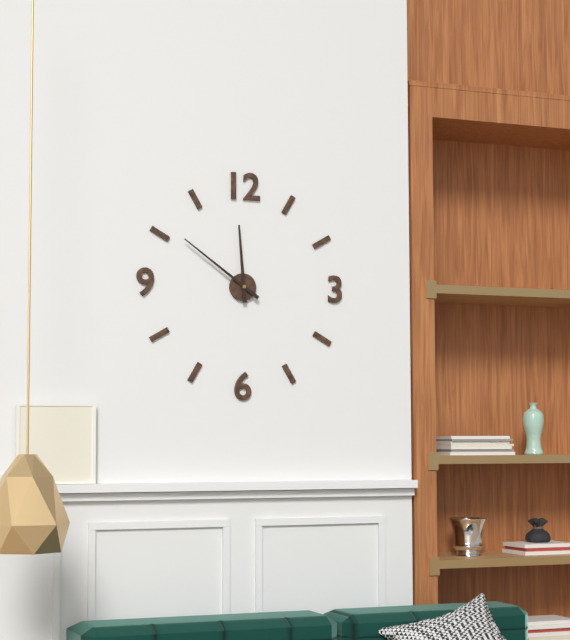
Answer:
11,51
